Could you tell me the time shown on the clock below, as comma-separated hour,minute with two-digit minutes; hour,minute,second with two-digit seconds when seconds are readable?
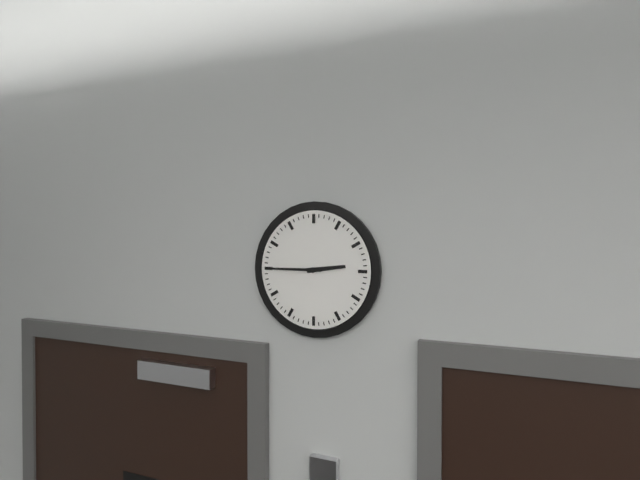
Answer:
2,45
